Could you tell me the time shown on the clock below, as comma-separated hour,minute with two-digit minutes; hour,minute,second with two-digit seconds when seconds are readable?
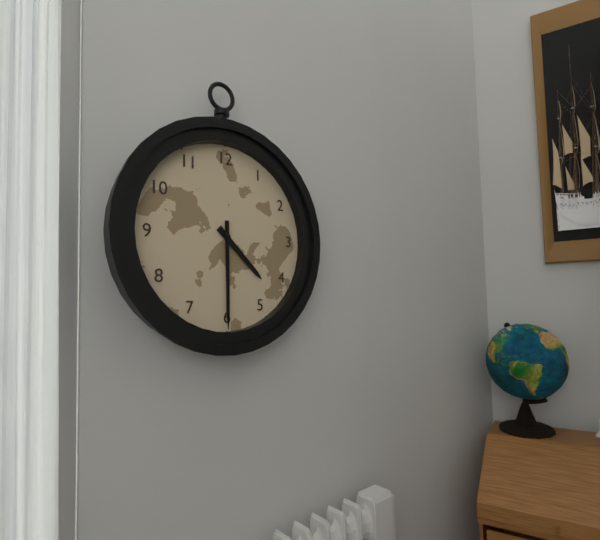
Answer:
4,30
